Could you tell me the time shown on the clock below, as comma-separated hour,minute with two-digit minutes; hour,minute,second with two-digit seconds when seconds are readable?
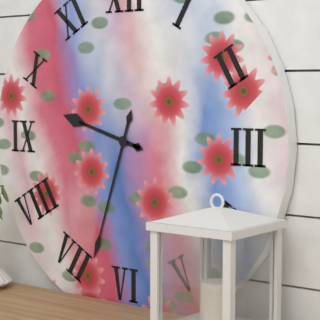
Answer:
9,33
